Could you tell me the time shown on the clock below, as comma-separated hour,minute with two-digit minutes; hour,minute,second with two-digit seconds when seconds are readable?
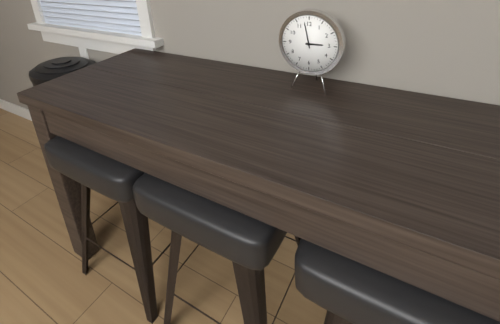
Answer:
2,58
